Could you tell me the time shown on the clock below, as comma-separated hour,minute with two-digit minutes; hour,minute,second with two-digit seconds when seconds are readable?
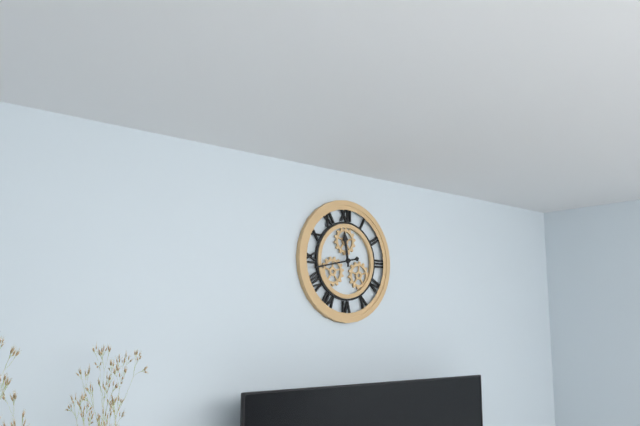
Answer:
11,43
